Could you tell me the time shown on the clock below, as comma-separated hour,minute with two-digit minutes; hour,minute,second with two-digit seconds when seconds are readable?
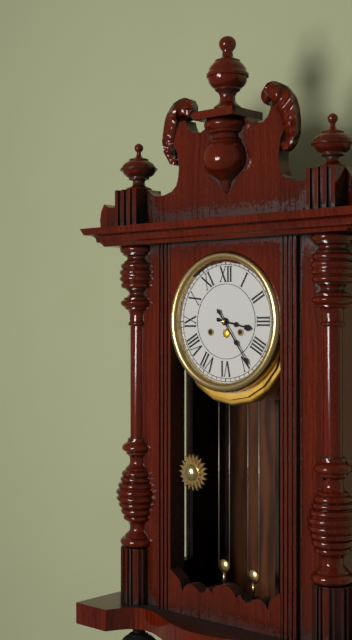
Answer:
3,24
